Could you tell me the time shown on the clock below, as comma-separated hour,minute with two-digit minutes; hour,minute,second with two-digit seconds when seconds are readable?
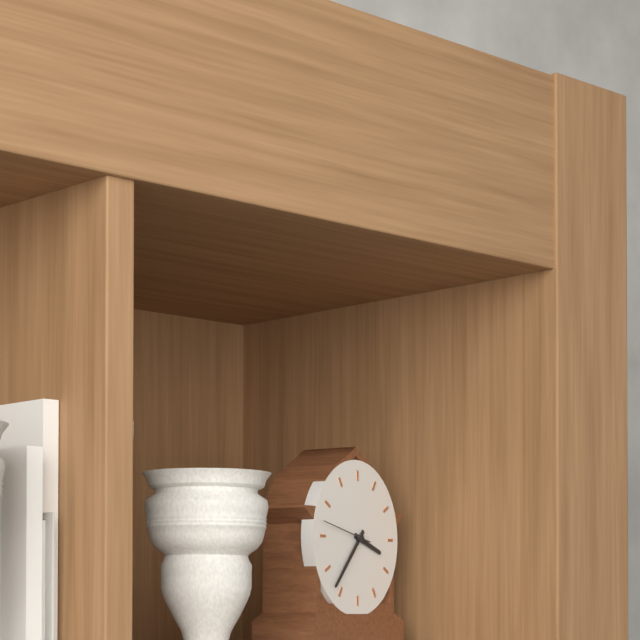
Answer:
3,37
